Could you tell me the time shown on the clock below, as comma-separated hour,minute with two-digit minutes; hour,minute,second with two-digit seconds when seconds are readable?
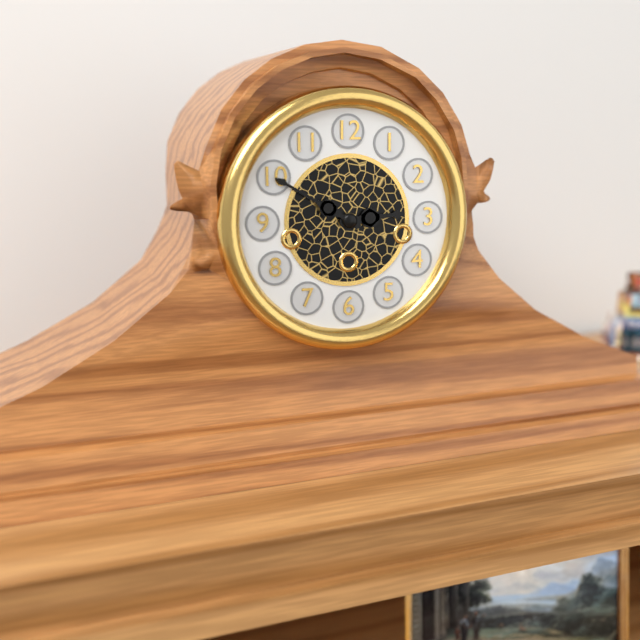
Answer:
2,50
